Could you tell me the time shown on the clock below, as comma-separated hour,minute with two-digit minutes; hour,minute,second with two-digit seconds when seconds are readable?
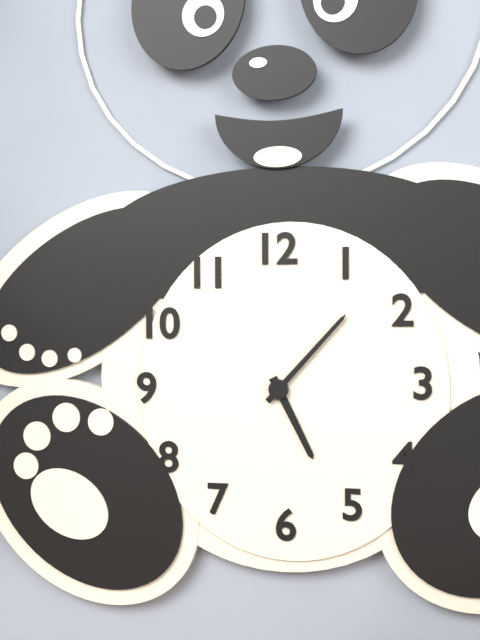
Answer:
5,07
